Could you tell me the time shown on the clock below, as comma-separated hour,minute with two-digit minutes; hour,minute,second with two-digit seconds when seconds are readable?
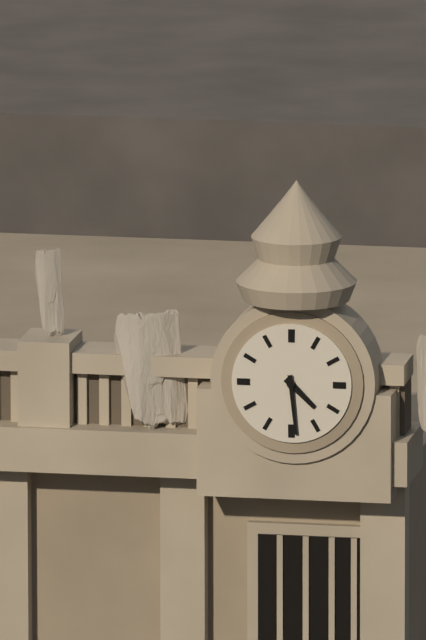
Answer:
4,29
